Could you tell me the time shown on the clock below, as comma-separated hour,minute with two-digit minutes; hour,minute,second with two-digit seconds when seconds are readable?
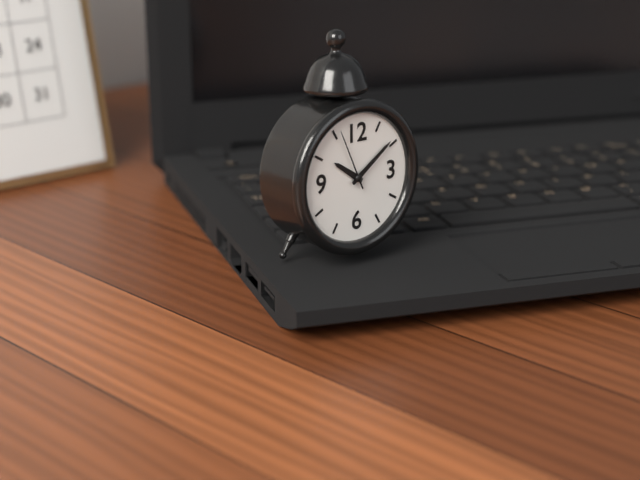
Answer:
10,09,56
